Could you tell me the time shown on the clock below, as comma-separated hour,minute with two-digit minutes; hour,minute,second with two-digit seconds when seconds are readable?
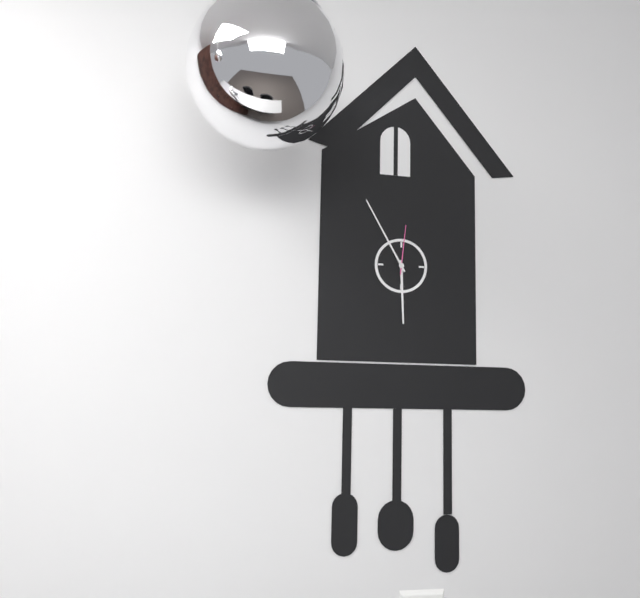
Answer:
5,55,01
